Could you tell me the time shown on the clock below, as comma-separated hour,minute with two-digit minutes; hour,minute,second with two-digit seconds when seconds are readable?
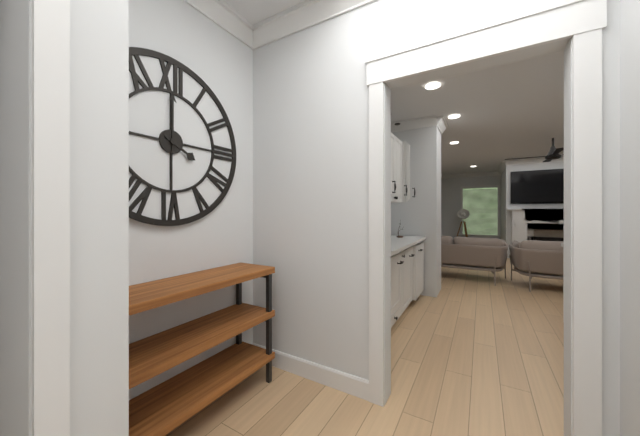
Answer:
4,00
